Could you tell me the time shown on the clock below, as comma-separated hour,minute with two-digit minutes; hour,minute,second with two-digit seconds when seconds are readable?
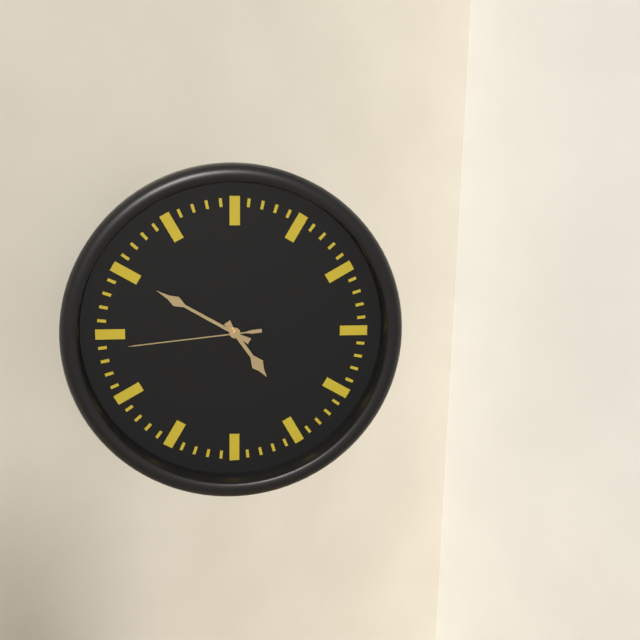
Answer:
4,50,44
